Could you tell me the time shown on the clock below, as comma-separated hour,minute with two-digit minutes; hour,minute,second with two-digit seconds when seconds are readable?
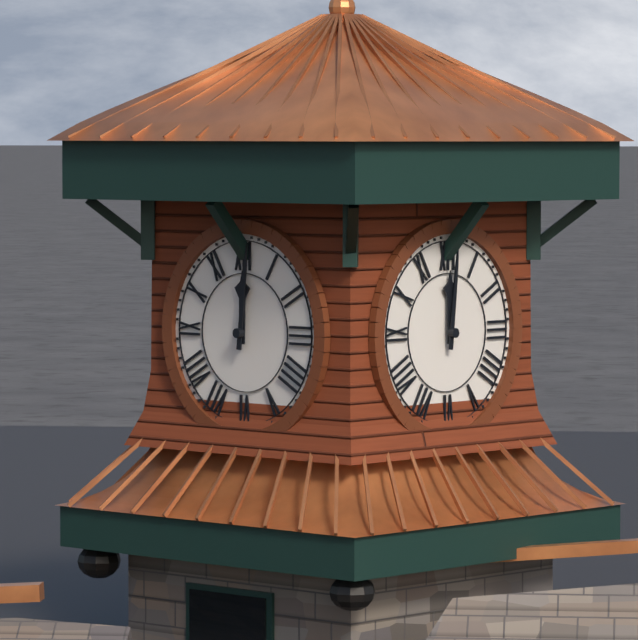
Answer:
12,01
